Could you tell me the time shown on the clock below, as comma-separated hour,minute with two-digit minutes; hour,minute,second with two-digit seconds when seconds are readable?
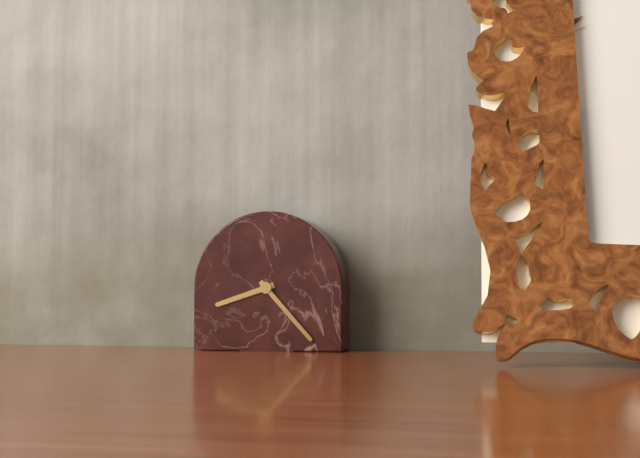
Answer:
8,23
